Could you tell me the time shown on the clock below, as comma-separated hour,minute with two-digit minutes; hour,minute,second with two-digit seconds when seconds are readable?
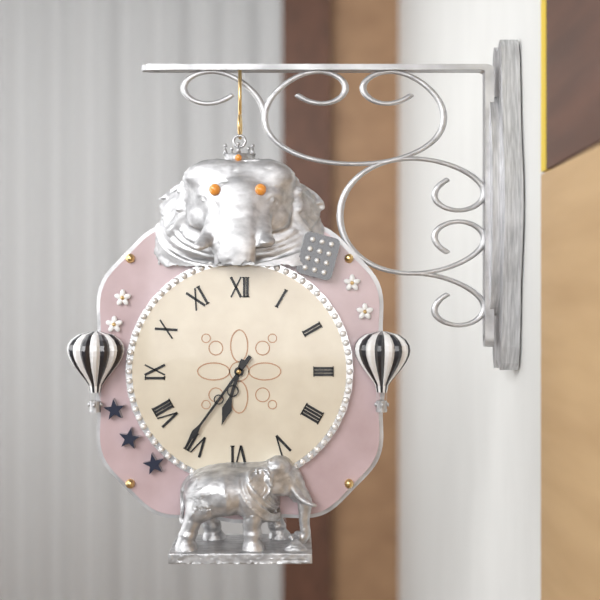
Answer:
6,36
